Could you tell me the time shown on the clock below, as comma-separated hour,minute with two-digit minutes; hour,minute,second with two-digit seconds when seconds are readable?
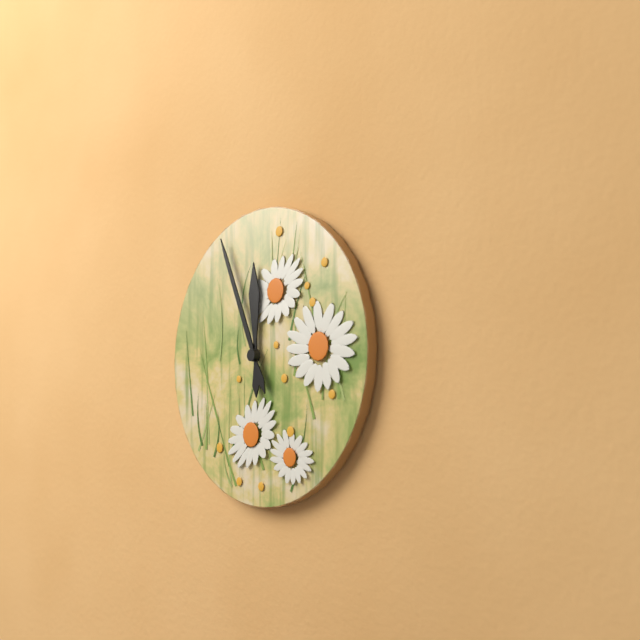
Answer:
11,56
